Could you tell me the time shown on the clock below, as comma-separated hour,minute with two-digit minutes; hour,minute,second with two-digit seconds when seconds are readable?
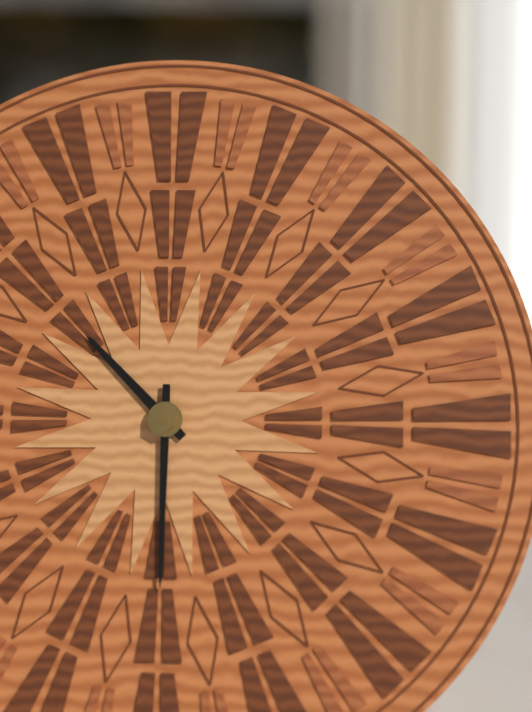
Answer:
10,30
